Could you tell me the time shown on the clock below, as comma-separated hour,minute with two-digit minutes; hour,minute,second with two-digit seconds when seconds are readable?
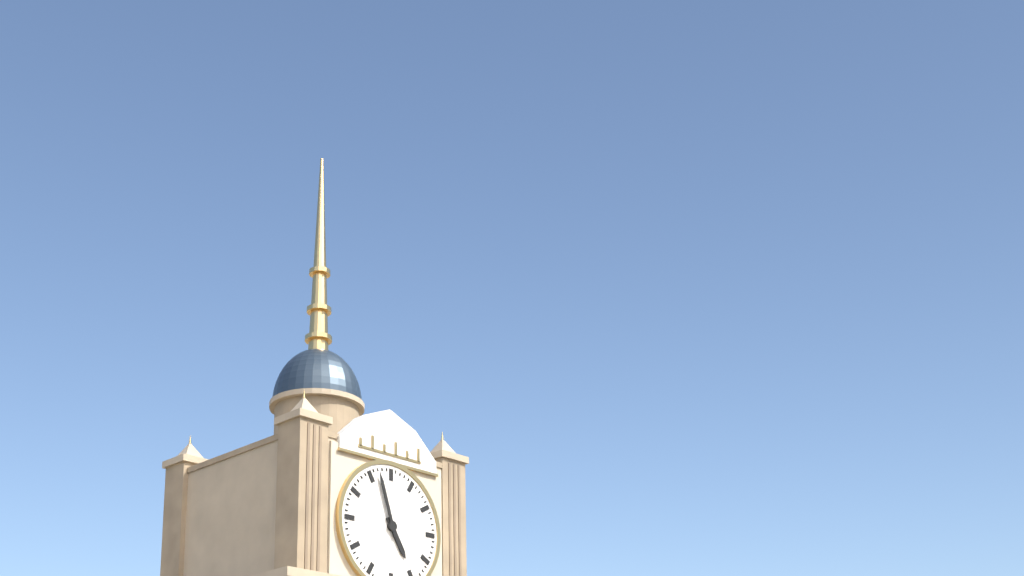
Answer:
4,57
